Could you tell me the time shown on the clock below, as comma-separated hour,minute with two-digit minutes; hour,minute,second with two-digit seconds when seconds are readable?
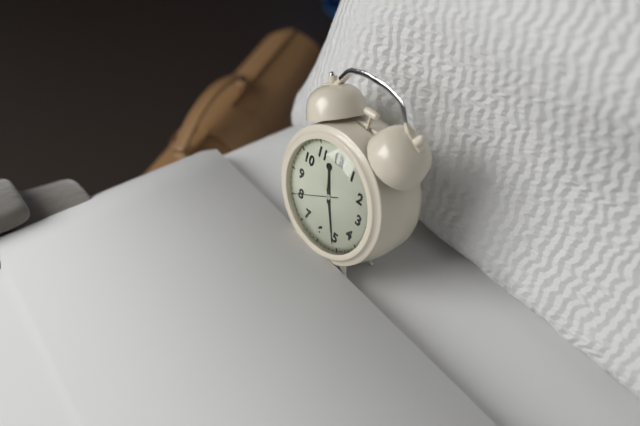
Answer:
11,26
